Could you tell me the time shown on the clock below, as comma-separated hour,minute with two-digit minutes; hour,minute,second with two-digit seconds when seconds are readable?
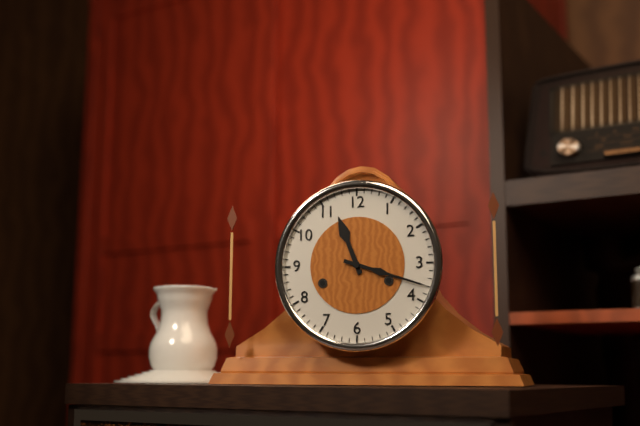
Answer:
11,18
